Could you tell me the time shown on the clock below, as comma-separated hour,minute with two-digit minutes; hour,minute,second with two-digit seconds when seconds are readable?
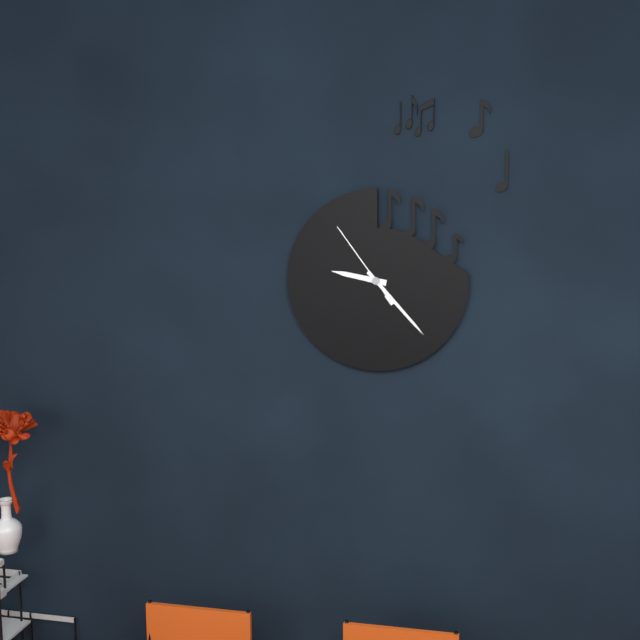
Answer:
9,23,54
